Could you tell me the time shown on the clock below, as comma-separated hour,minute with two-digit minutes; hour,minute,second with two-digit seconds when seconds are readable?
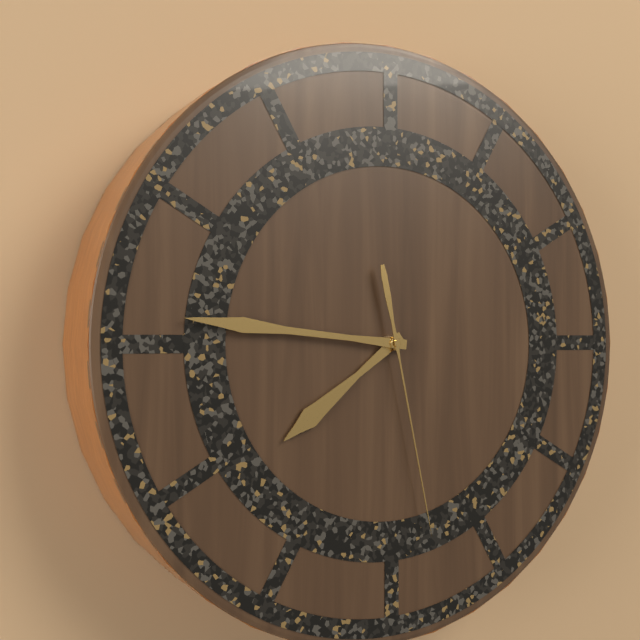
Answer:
7,46,28
